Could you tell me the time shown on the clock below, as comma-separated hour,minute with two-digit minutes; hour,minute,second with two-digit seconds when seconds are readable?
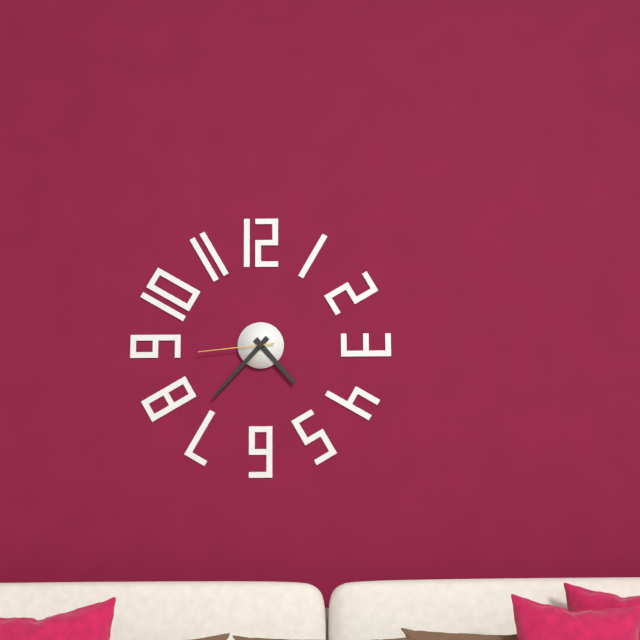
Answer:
4,37,44
